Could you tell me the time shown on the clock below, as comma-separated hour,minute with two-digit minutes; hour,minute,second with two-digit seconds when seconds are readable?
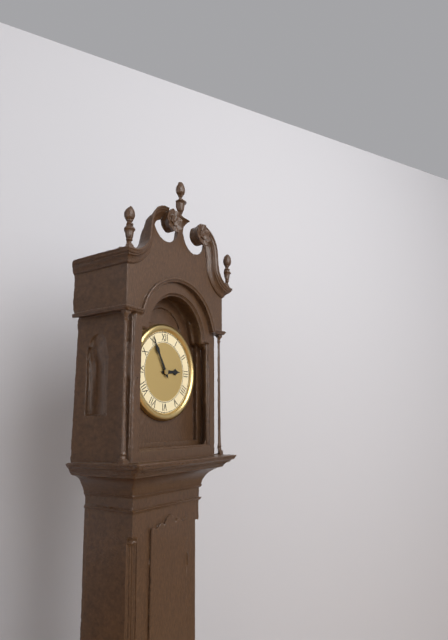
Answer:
2,55
